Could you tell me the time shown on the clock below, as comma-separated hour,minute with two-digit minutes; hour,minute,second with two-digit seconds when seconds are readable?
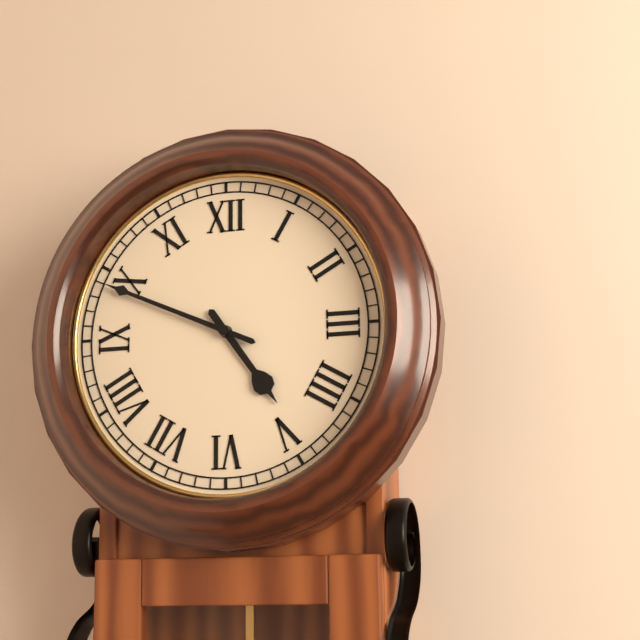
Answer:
4,49
